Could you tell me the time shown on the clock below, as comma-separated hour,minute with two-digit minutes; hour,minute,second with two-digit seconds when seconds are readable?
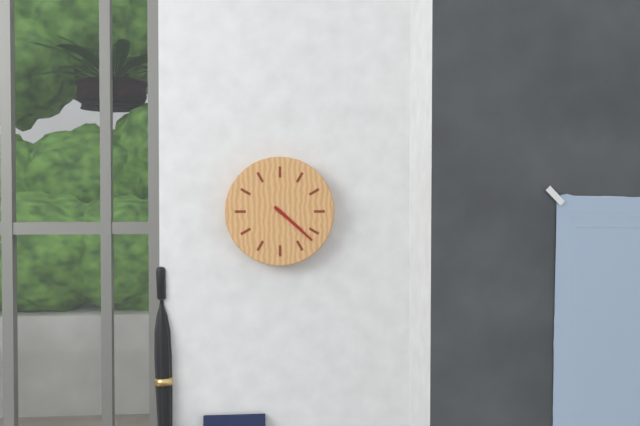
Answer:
4,22
